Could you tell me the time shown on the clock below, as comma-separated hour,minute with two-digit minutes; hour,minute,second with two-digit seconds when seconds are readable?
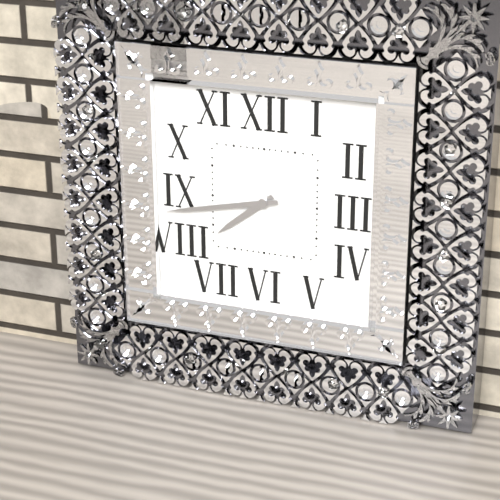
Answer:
7,43
